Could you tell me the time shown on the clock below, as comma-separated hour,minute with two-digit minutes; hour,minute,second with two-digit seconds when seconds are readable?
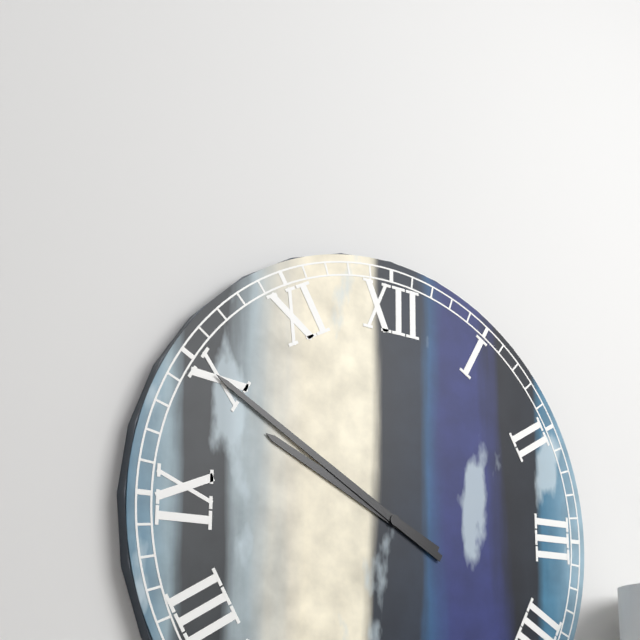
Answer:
9,50
